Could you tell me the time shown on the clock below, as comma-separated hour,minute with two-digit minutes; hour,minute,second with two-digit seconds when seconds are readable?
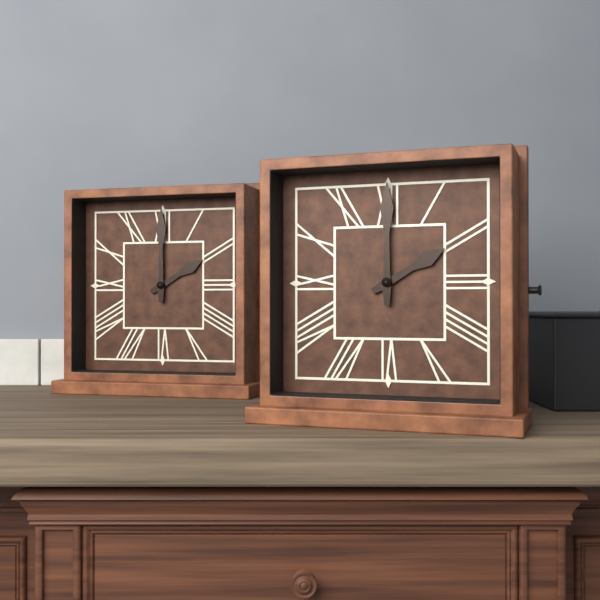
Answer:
2,00
